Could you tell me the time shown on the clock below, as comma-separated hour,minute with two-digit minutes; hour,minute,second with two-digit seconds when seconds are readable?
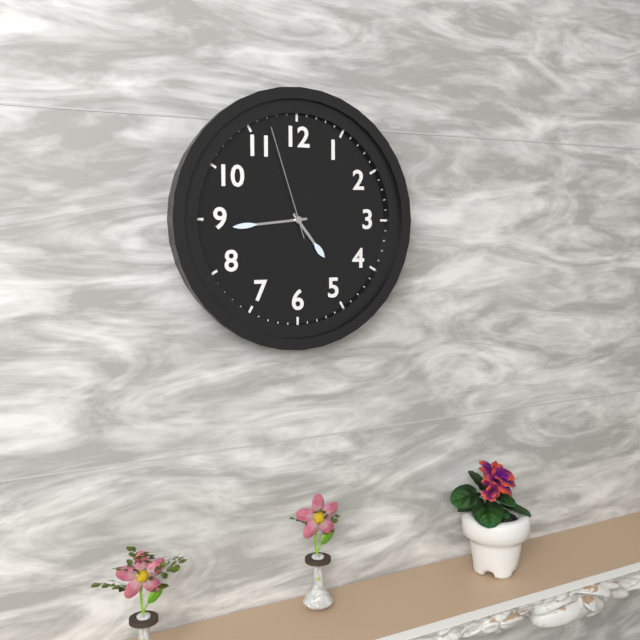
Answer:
4,44,57
